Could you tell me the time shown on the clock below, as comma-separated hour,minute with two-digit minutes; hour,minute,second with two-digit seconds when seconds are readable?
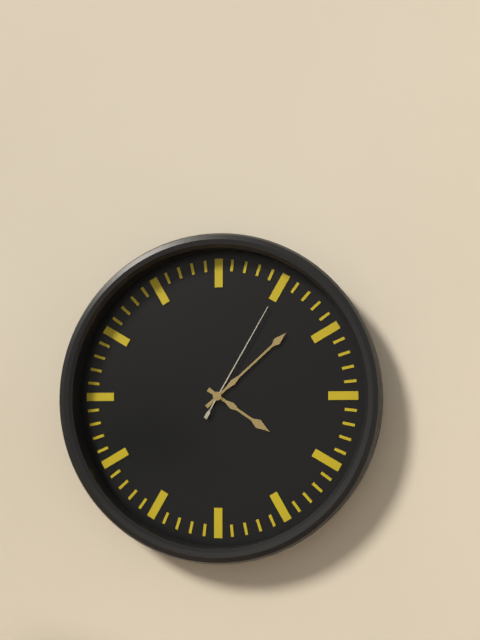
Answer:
4,08,05
